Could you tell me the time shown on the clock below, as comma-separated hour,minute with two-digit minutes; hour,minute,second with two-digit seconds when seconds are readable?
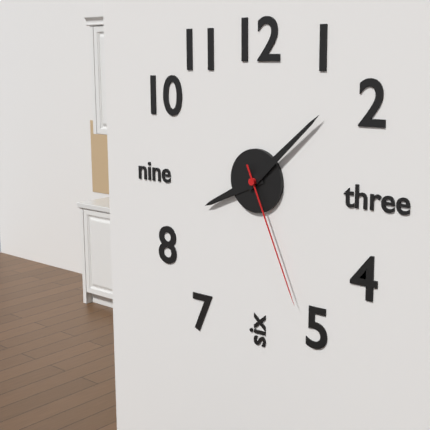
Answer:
8,08,26
